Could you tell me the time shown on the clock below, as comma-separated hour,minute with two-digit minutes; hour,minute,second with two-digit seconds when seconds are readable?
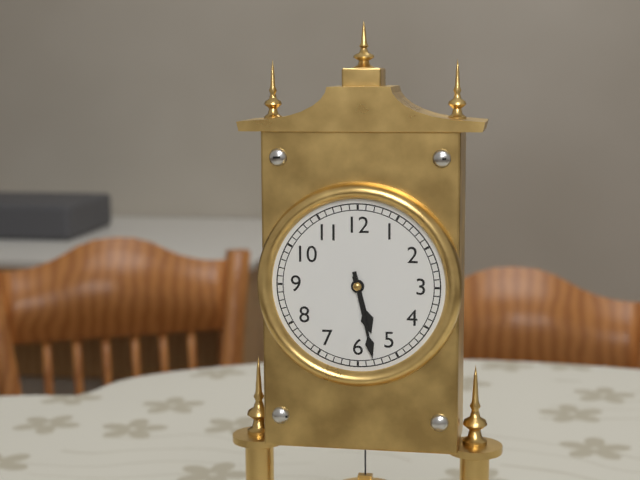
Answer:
5,28
